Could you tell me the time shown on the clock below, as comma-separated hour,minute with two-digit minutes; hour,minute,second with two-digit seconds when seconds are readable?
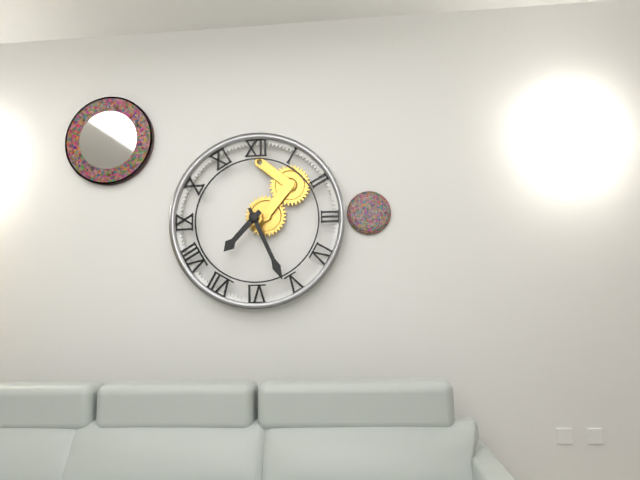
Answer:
7,26
